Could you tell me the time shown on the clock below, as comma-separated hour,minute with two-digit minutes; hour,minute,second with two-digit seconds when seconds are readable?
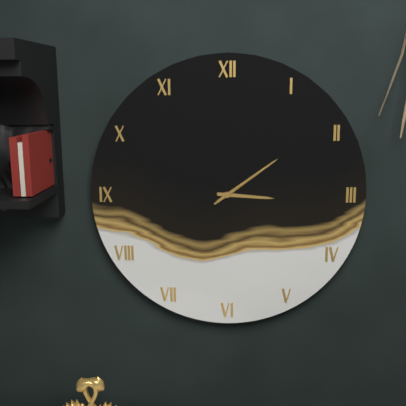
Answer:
3,09,09
